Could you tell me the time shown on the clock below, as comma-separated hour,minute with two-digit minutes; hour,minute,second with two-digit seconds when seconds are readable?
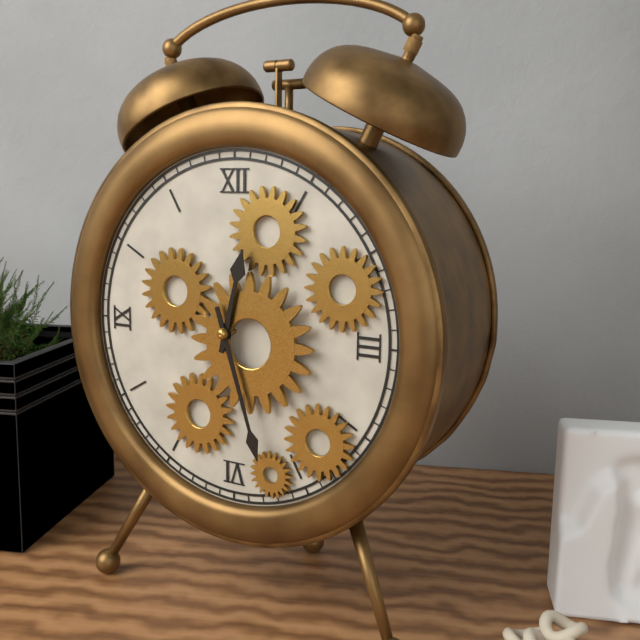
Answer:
12,27
